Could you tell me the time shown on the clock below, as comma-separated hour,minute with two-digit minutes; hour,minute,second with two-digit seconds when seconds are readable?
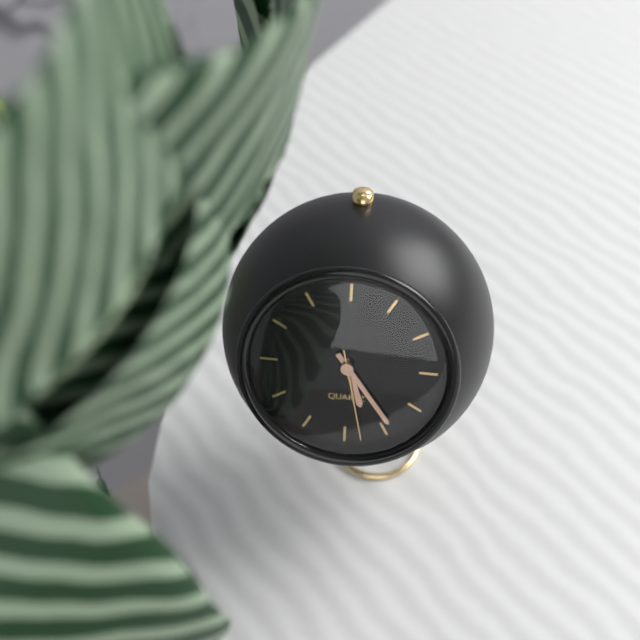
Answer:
5,24,28
